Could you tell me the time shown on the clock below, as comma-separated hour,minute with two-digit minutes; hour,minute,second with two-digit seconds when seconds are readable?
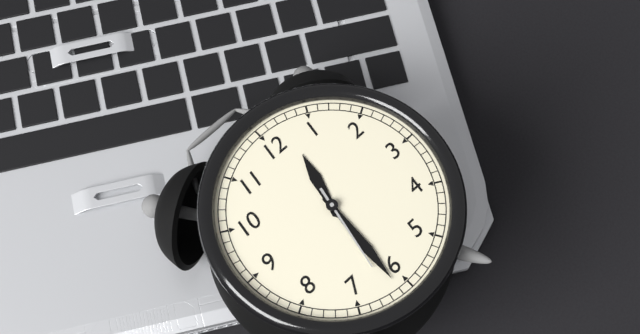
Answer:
12,31,32
